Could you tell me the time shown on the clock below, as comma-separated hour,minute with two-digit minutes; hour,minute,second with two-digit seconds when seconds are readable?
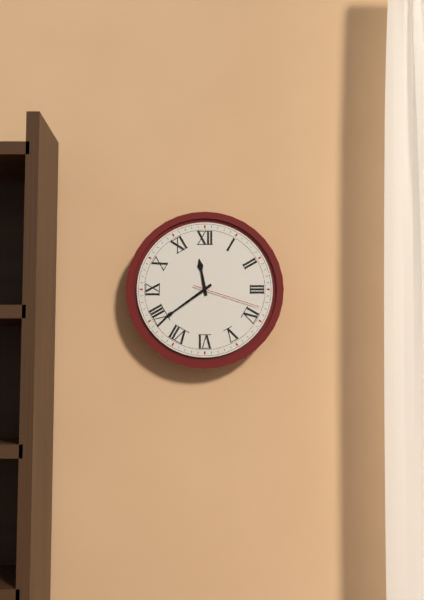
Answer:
11,39,18
